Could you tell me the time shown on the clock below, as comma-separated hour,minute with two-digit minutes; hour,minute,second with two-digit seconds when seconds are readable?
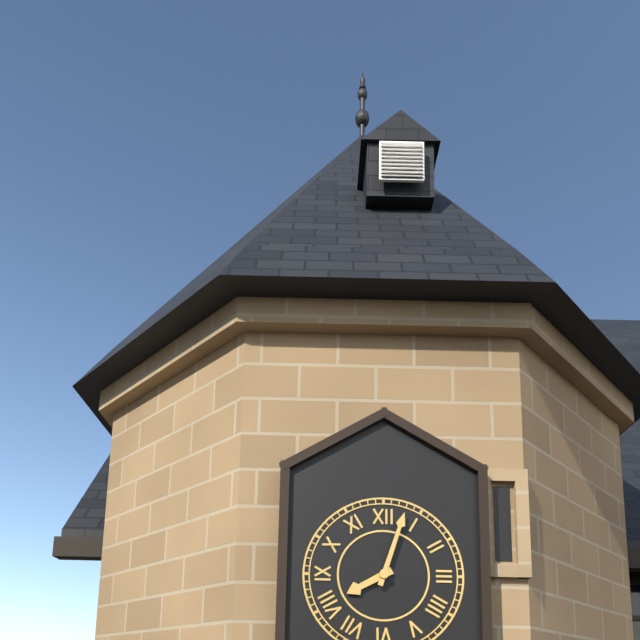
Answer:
8,03
